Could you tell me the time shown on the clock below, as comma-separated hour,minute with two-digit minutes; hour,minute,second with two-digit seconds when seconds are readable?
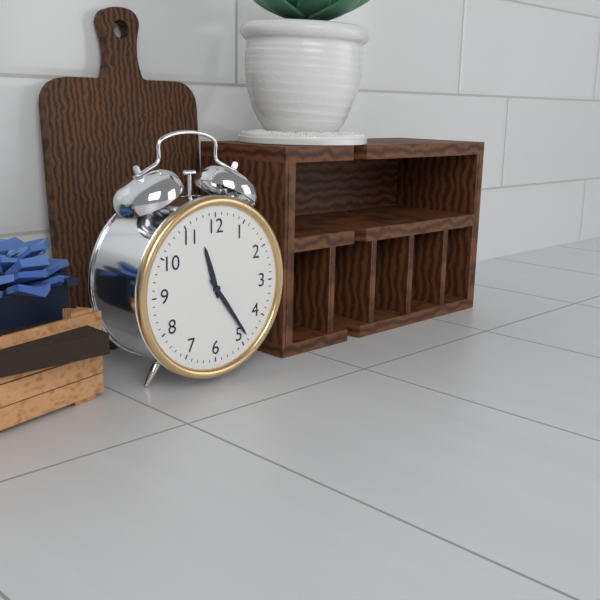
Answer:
11,24
